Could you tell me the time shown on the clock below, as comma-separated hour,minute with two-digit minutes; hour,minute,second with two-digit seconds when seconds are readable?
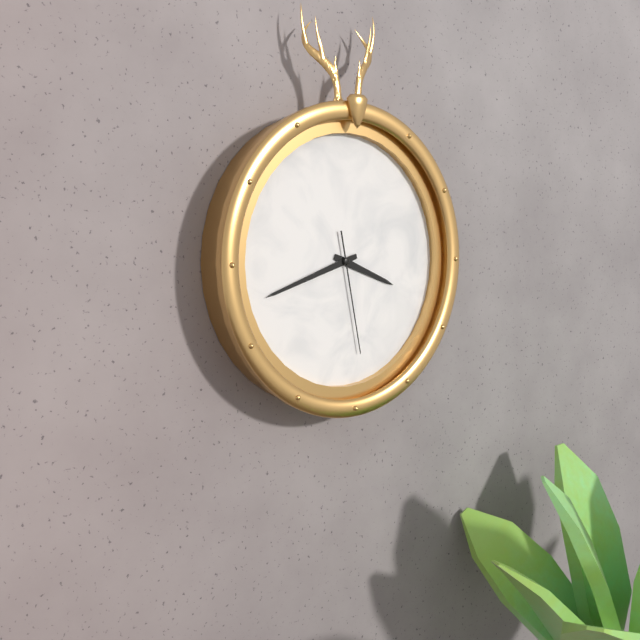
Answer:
3,42,28
